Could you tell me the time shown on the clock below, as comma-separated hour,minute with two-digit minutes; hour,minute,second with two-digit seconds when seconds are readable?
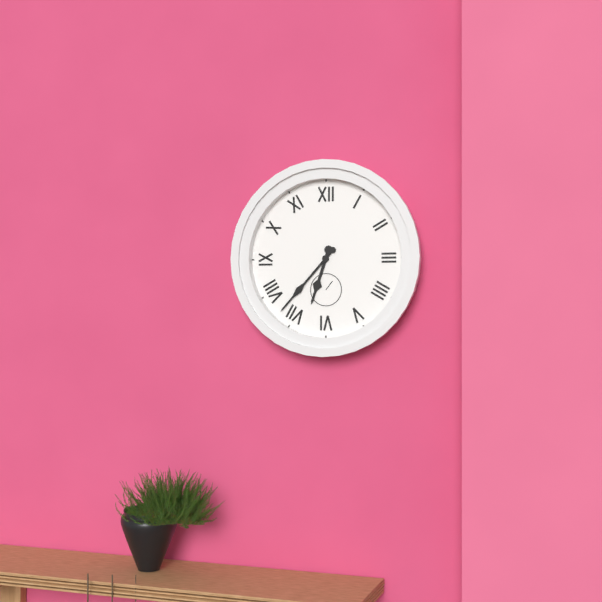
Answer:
6,37
